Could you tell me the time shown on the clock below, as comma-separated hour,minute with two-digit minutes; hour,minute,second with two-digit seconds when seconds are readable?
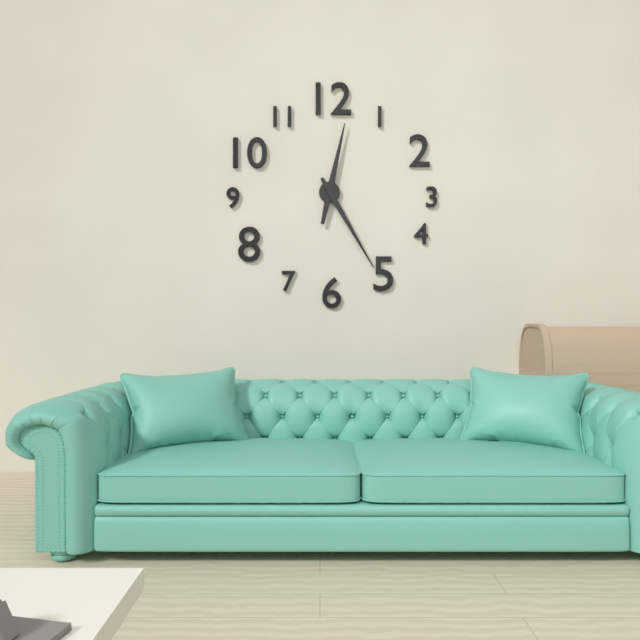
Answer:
12,25
